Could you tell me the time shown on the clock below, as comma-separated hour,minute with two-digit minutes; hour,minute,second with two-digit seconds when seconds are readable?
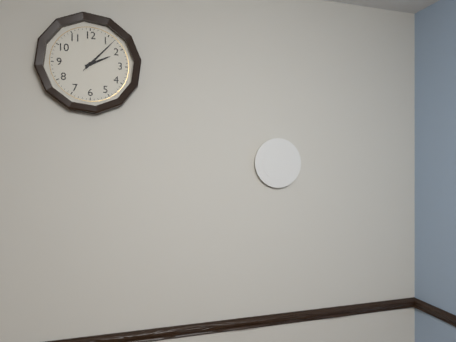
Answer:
2,07
